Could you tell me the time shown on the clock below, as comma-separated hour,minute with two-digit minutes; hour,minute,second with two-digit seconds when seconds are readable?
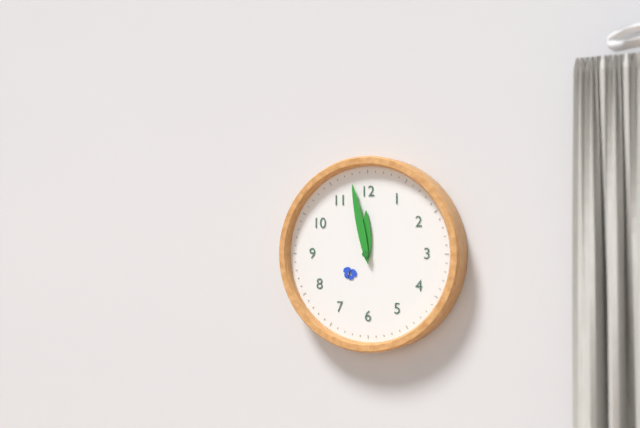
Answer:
11,58
